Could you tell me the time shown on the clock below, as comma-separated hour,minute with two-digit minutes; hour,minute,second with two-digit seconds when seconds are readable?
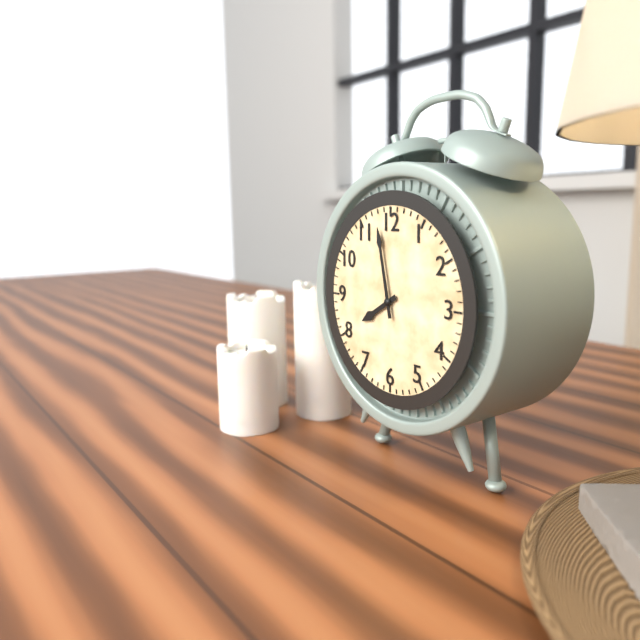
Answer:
7,58
